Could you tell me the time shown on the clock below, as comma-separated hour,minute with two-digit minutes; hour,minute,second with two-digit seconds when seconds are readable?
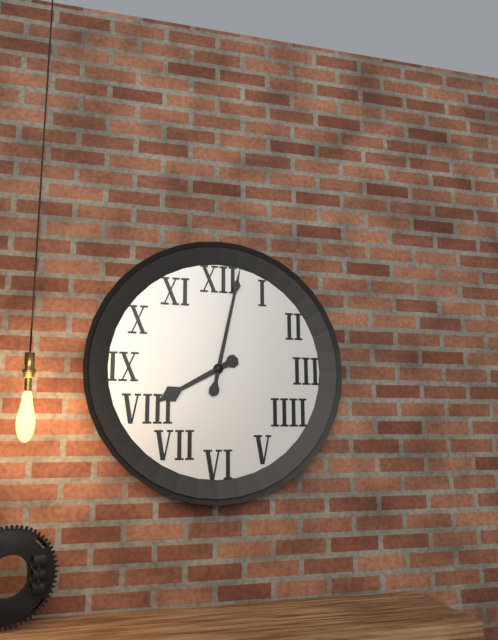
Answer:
8,02
